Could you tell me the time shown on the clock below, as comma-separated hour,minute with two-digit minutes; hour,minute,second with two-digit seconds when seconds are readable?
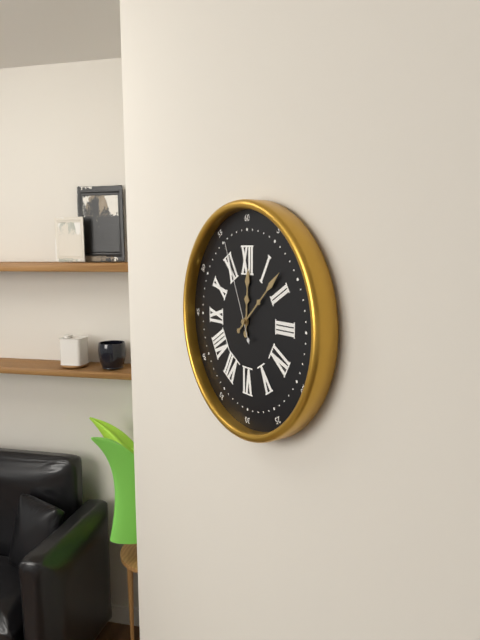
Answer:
12,08,56
